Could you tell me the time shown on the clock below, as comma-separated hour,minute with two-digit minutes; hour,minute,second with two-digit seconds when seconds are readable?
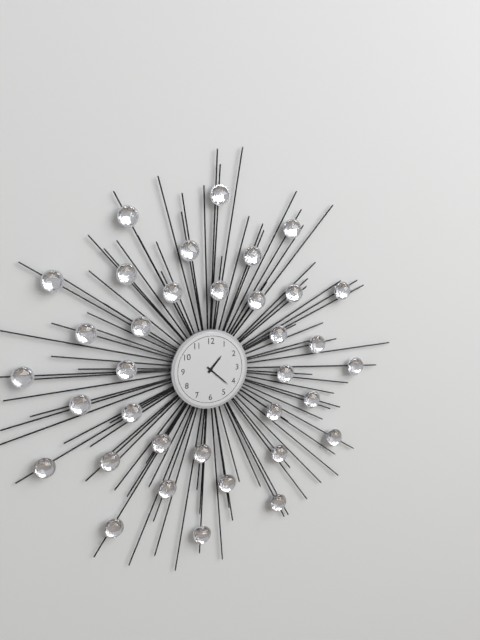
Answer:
1,22
